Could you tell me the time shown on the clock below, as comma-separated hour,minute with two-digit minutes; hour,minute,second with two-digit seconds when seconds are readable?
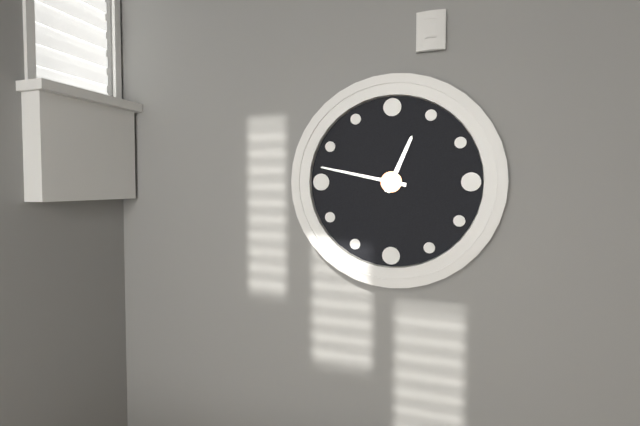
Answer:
12,47
